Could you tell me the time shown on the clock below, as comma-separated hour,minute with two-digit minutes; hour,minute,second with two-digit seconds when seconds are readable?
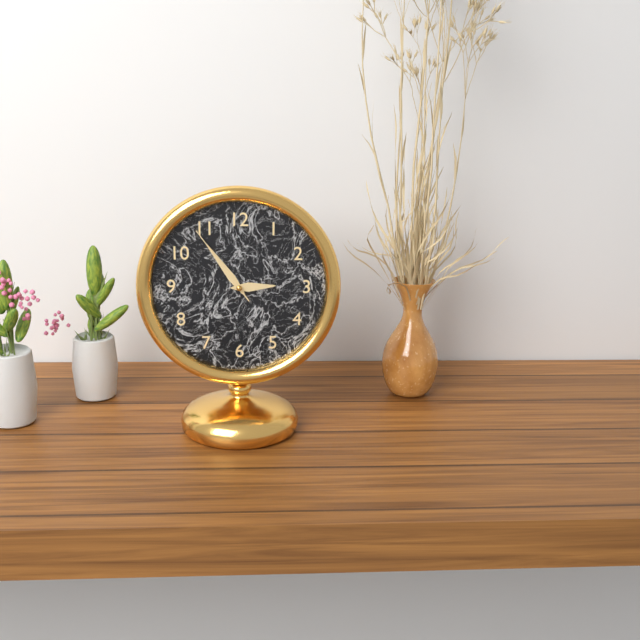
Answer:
2,54,54
